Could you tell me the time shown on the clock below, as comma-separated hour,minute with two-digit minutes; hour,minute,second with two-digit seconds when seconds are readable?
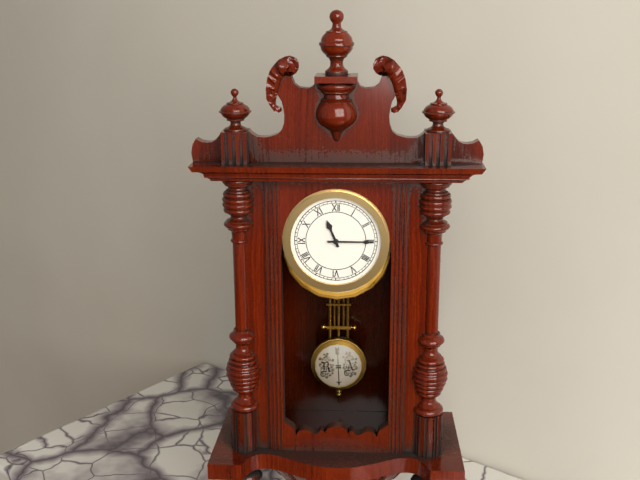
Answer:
11,15
